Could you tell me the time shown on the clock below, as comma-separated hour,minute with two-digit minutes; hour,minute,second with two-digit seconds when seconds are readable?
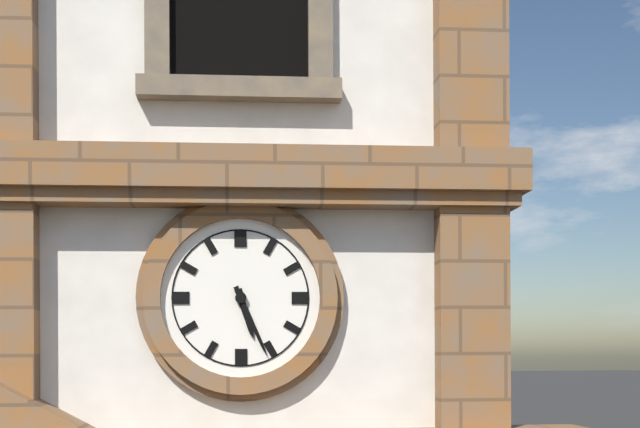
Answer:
5,26
